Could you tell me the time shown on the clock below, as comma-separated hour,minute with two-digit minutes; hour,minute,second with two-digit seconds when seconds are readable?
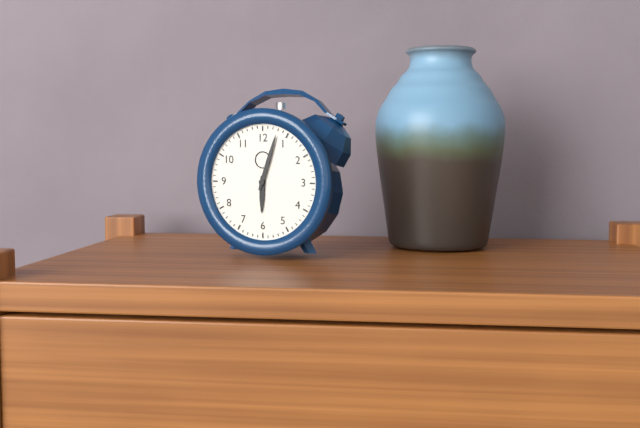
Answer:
6,03
